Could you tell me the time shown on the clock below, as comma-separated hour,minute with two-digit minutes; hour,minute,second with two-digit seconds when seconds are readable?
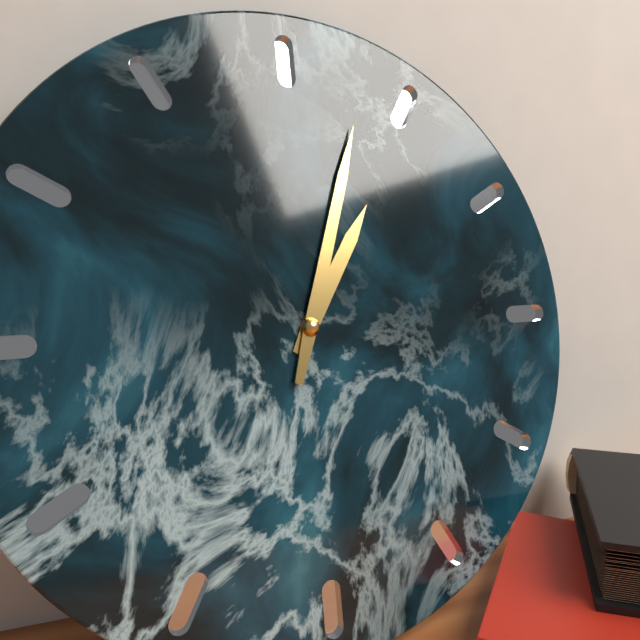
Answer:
1,03
